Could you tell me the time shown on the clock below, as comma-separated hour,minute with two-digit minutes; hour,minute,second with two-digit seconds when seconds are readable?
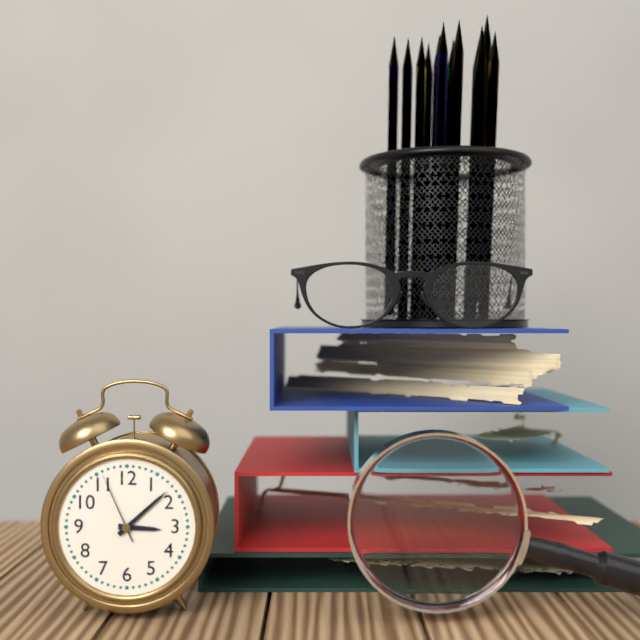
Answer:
3,08,56
